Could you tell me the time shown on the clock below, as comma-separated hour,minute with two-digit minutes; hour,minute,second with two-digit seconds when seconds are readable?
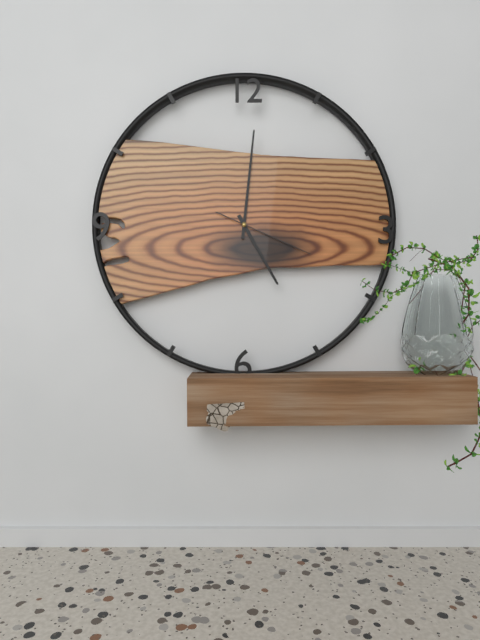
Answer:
5,01,19
